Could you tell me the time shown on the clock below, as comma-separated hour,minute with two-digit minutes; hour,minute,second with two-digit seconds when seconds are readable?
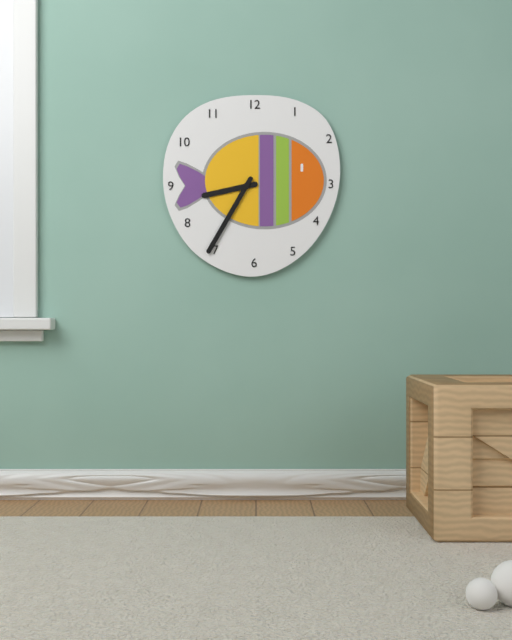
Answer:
8,35
